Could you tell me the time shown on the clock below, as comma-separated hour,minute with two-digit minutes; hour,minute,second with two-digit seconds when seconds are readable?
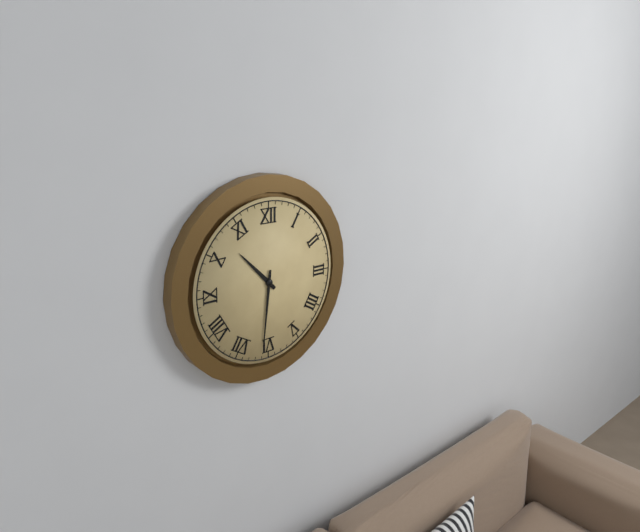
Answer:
10,31
